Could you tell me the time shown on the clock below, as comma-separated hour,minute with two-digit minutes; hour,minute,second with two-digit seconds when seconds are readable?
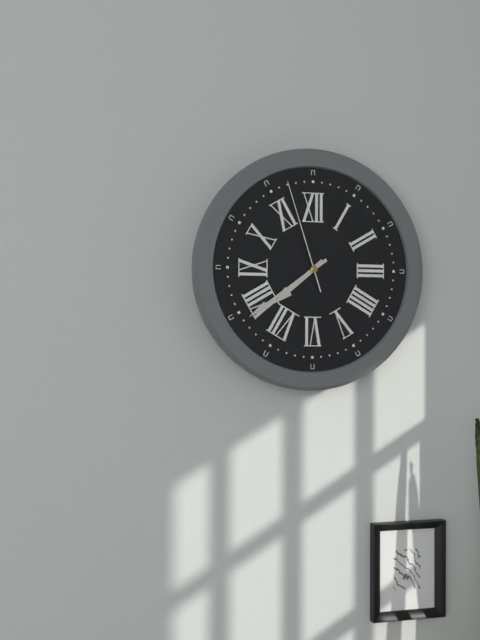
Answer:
7,39,57
